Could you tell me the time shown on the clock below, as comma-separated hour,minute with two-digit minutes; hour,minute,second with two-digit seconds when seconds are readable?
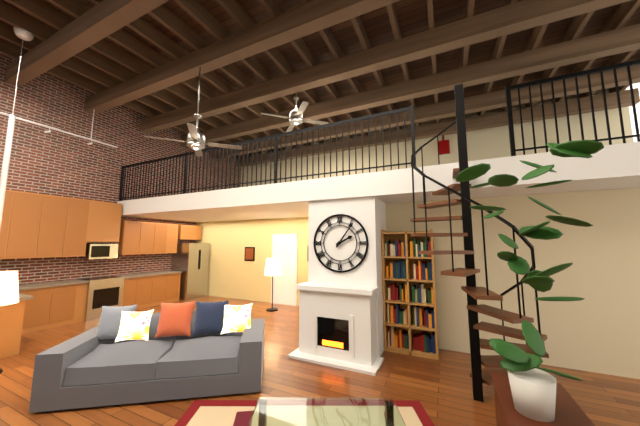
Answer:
2,06
